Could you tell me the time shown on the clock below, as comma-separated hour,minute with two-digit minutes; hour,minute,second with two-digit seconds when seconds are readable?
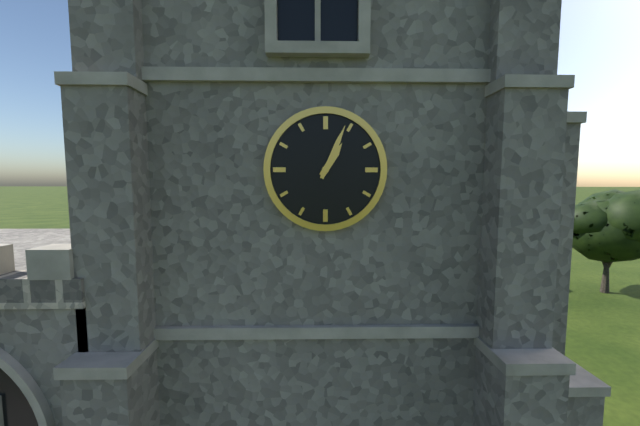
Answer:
1,04
